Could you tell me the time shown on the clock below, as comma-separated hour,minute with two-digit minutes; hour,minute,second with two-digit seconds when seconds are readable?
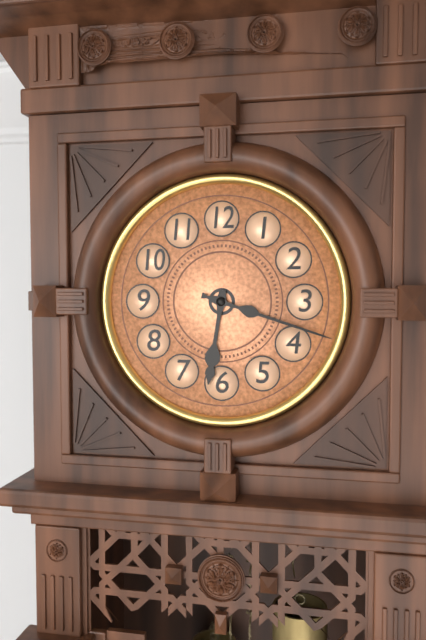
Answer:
6,18
